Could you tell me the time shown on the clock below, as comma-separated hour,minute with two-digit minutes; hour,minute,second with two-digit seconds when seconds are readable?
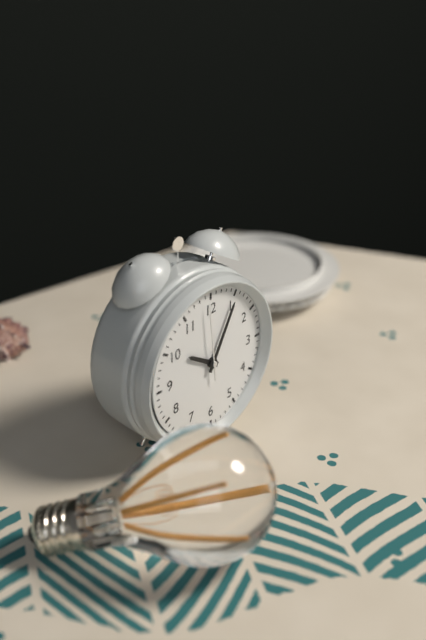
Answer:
10,05,59
